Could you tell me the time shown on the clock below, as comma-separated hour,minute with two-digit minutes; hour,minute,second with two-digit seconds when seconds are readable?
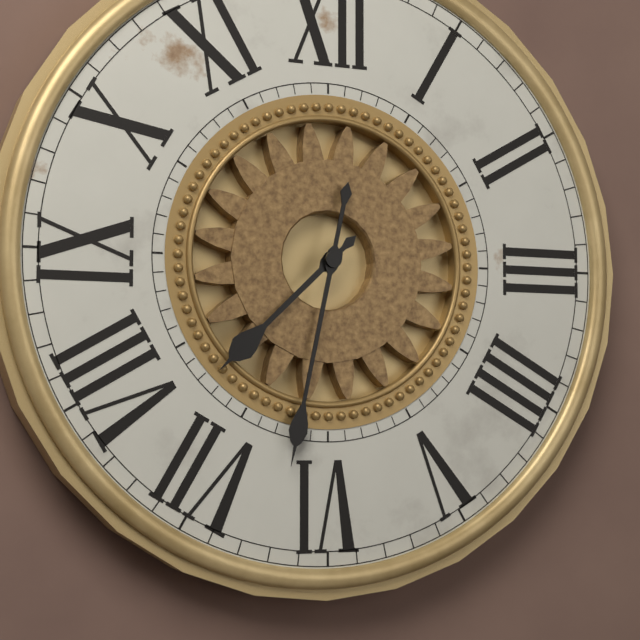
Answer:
7,32
